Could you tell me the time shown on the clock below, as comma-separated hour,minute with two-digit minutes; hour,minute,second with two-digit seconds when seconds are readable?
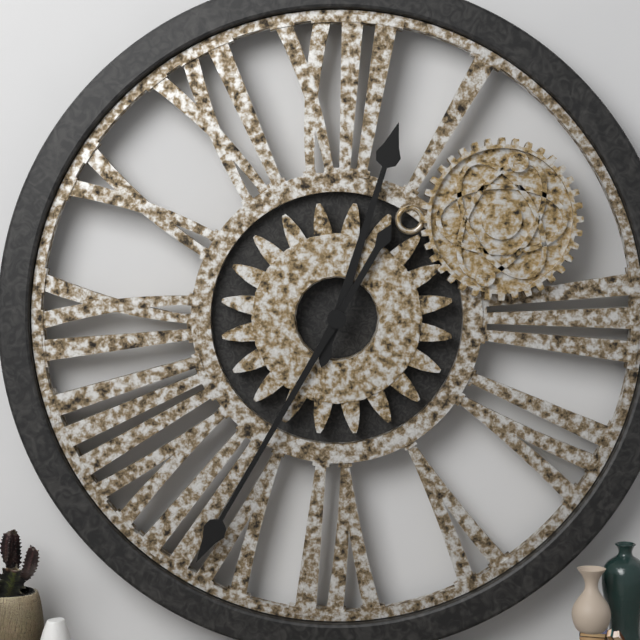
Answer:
12,35
